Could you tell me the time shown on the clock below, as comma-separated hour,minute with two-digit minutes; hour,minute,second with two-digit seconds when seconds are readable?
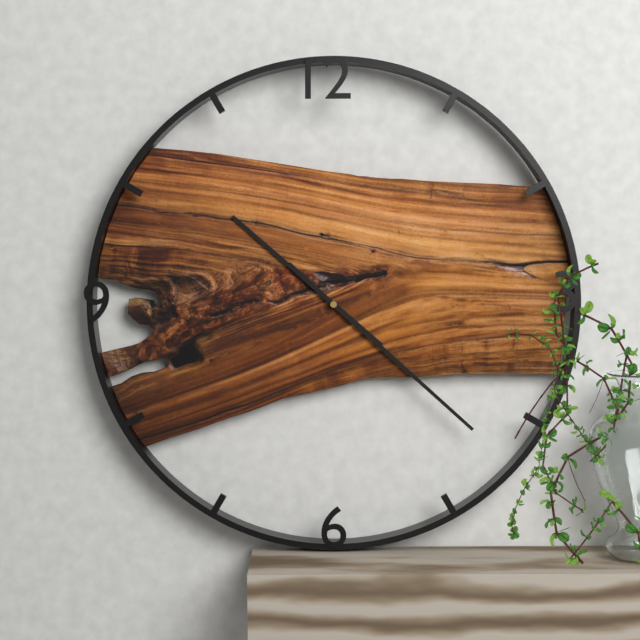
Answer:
10,22
